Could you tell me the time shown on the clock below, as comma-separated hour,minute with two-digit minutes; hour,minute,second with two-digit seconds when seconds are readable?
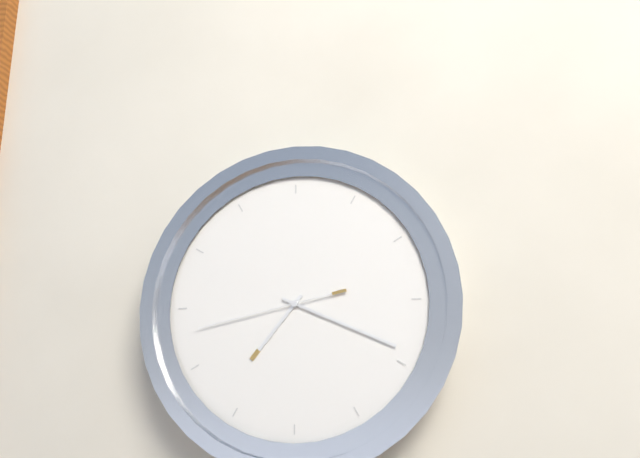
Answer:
7,19,43
